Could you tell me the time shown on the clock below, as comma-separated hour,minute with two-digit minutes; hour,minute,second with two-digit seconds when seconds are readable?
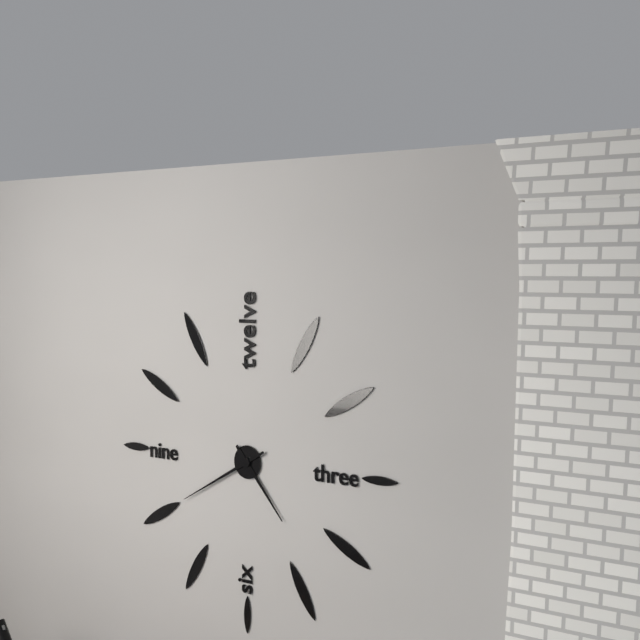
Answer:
4,40
